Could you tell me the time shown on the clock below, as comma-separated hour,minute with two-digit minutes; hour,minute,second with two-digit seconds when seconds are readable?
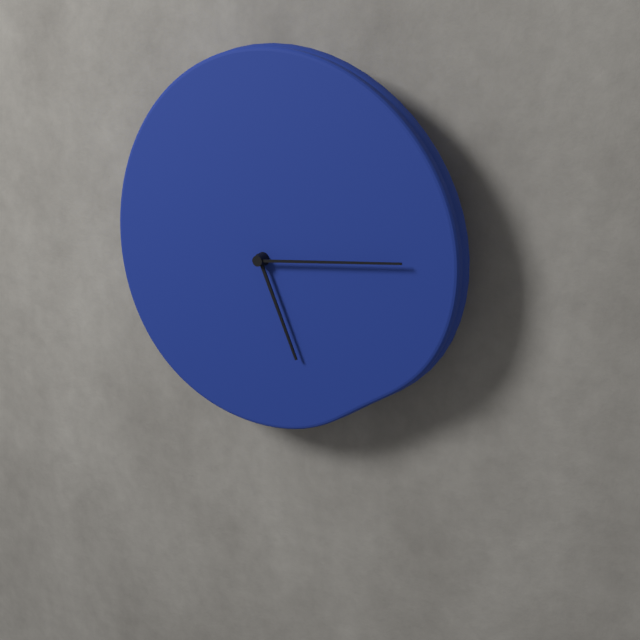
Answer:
5,14
